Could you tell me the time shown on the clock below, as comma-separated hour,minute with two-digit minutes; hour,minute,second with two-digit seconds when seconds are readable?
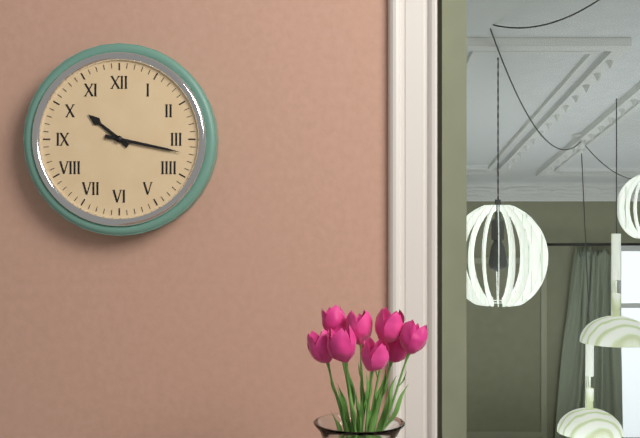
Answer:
10,17
